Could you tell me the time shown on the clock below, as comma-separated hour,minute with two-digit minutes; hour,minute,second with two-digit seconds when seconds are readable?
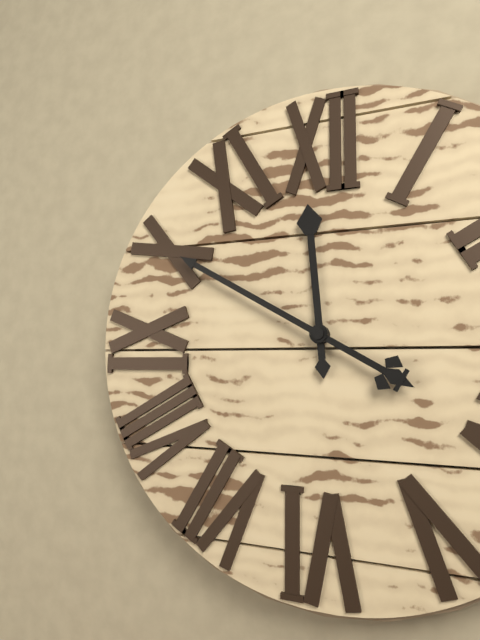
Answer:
11,50
